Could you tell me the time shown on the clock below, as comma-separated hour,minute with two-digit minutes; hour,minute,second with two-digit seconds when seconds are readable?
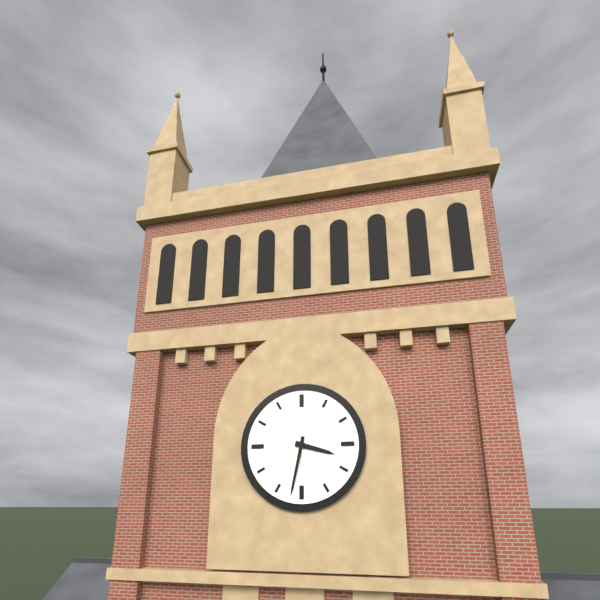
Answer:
3,32
